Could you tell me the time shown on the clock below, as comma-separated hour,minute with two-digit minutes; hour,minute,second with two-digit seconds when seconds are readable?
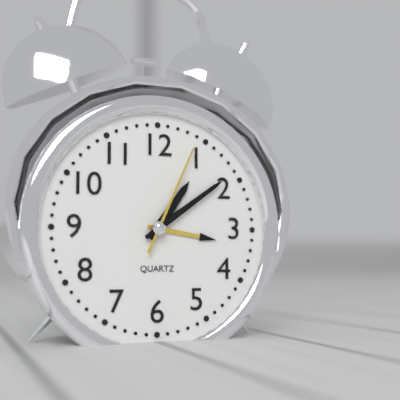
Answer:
1,09,04
